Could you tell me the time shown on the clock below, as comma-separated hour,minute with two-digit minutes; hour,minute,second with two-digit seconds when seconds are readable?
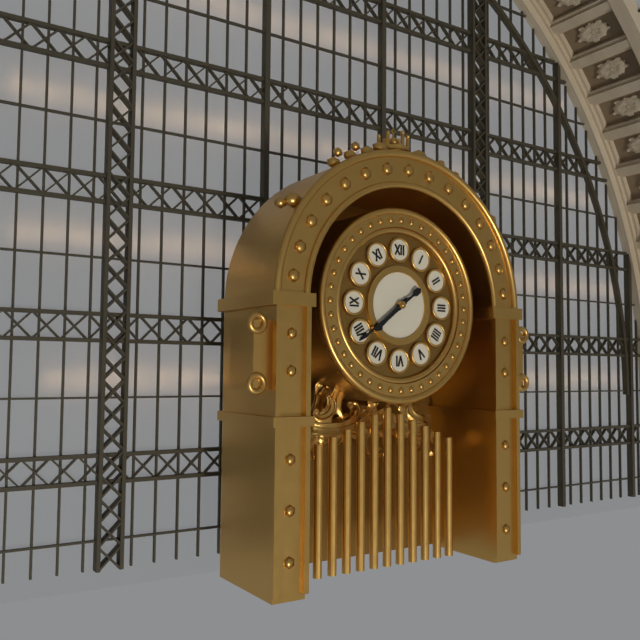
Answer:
7,39
